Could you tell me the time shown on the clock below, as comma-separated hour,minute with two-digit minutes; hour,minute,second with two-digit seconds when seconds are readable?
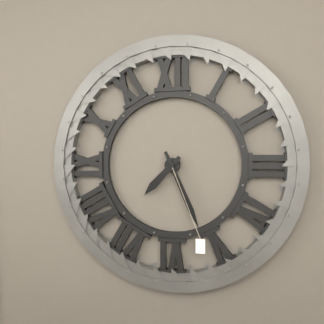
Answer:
7,26
